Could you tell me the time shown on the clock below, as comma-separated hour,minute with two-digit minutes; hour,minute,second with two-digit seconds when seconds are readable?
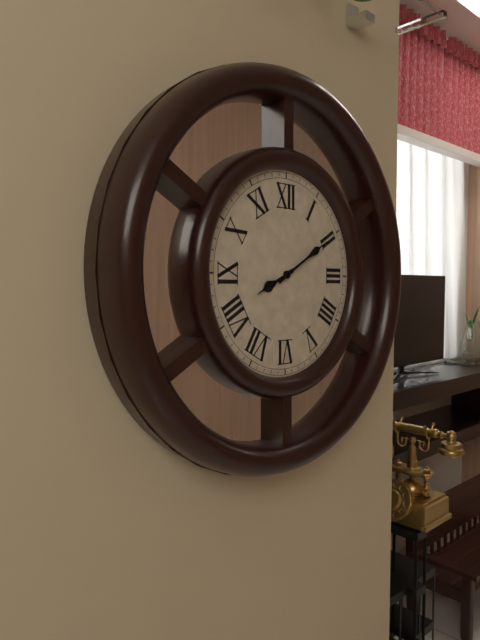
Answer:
8,10
